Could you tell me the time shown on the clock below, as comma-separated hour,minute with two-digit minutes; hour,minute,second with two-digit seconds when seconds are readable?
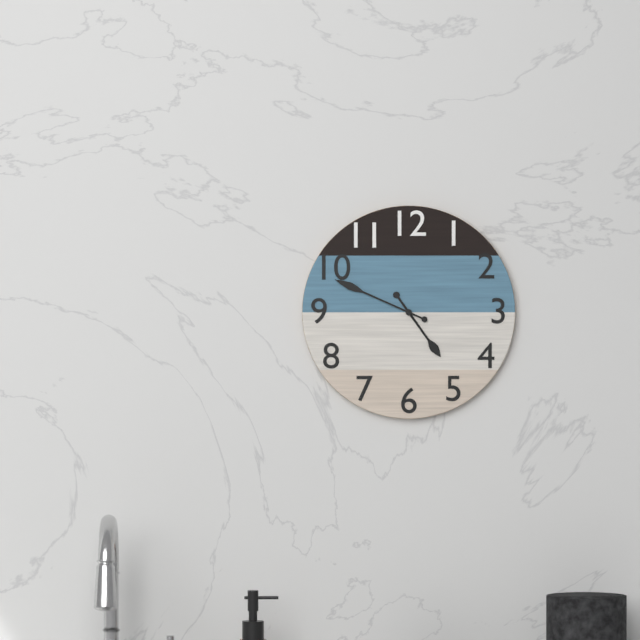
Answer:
4,49
